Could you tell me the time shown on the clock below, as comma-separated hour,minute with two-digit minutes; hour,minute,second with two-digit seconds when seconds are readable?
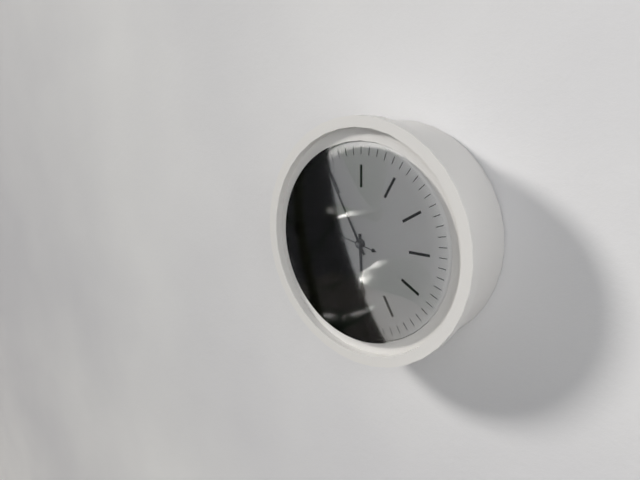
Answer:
5,55,47
